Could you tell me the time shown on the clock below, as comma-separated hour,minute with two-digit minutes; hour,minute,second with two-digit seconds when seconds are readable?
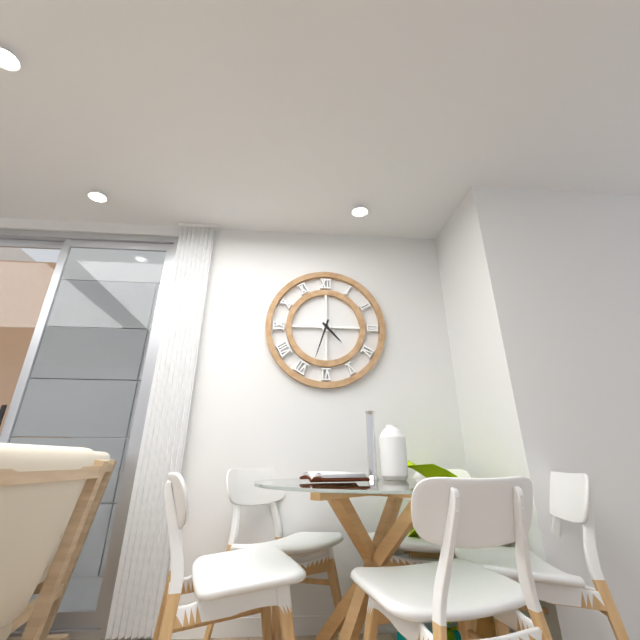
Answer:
4,33
